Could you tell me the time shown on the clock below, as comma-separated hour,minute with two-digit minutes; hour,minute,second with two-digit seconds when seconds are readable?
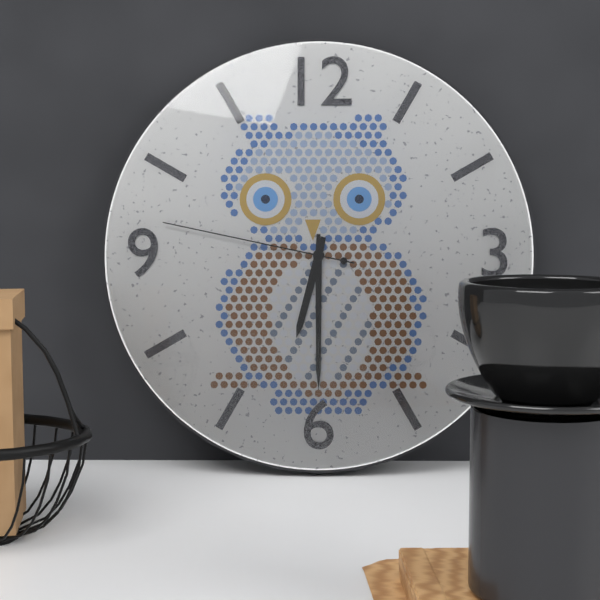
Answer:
6,30,47
